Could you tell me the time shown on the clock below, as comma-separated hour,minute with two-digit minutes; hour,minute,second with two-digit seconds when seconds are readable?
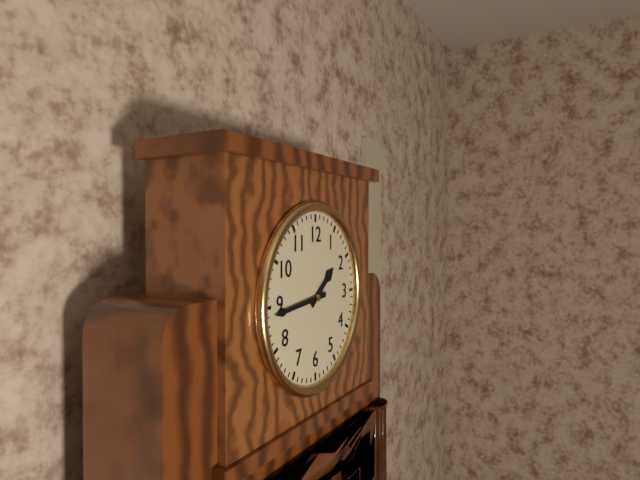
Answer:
1,44
